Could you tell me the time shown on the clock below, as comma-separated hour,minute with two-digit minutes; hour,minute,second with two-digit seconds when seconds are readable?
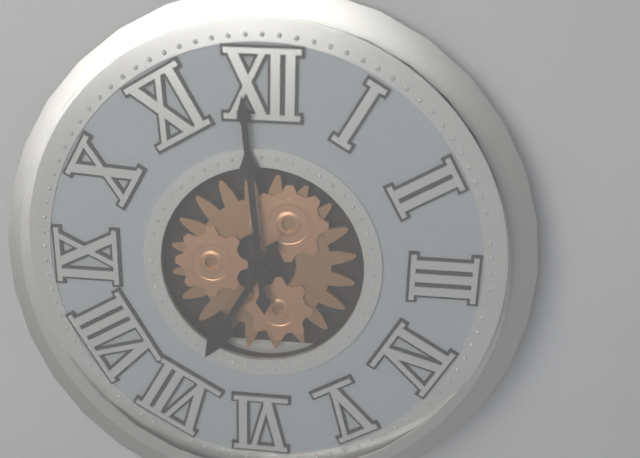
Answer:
6,59
